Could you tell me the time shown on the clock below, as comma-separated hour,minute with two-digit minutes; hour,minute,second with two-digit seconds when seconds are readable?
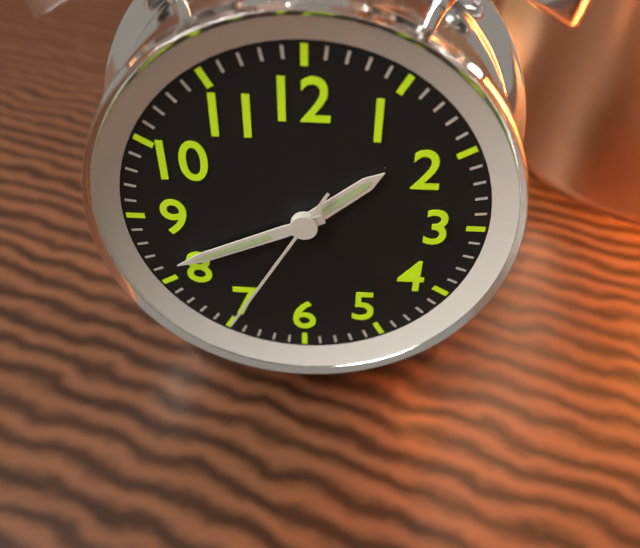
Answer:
1,41,35
